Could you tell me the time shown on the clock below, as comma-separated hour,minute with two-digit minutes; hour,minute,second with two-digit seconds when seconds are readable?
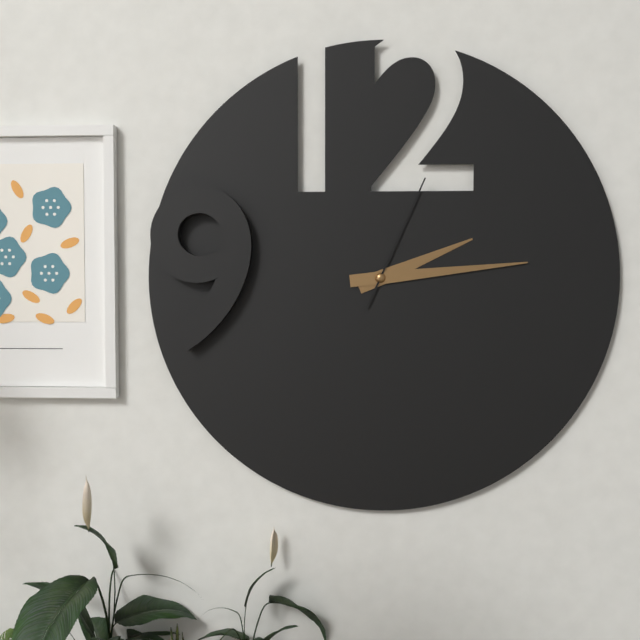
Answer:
2,14,04
